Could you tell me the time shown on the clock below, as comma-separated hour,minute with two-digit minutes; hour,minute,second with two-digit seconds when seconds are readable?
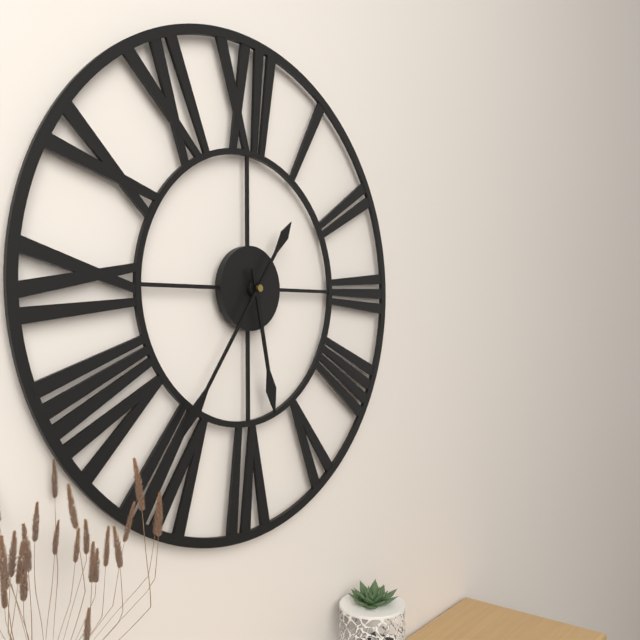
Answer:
5,36
